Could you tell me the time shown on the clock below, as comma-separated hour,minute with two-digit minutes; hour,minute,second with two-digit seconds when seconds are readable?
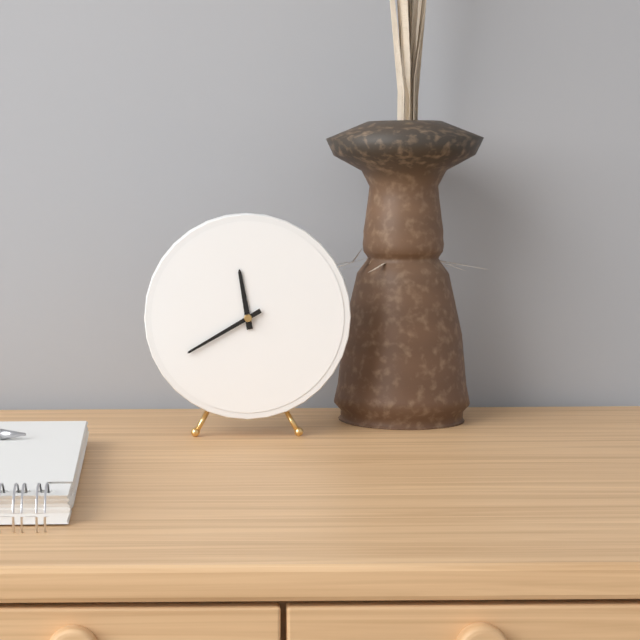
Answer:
11,40
